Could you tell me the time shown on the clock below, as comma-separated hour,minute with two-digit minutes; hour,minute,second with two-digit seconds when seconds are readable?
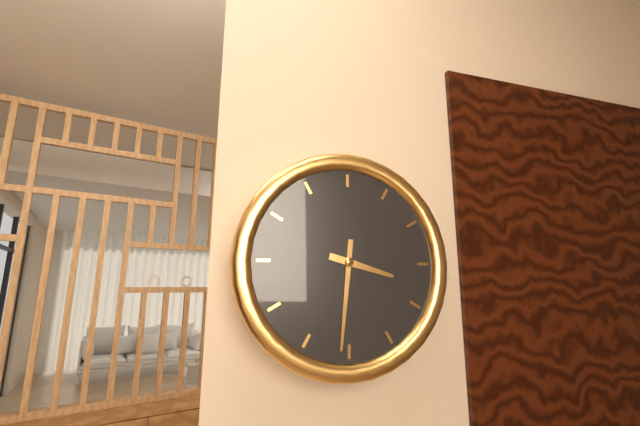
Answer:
3,31
